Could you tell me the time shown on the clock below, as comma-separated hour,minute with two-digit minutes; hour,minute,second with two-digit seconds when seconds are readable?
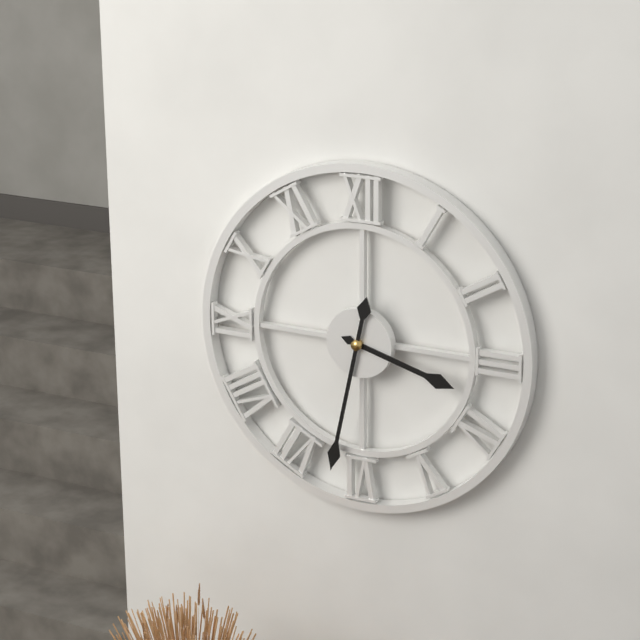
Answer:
3,32
